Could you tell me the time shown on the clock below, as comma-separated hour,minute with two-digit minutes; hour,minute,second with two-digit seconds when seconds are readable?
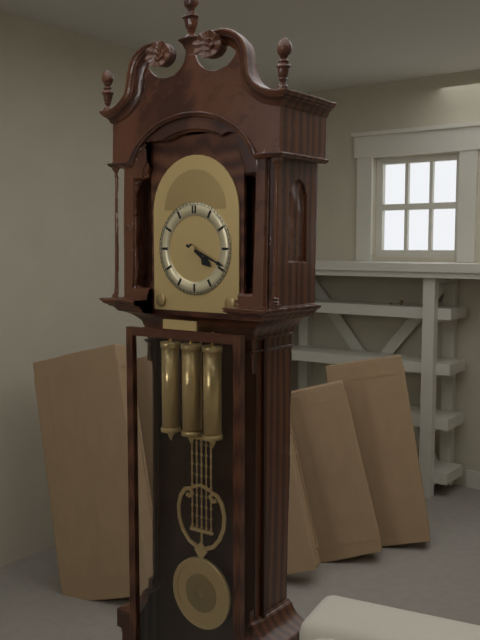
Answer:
4,19
